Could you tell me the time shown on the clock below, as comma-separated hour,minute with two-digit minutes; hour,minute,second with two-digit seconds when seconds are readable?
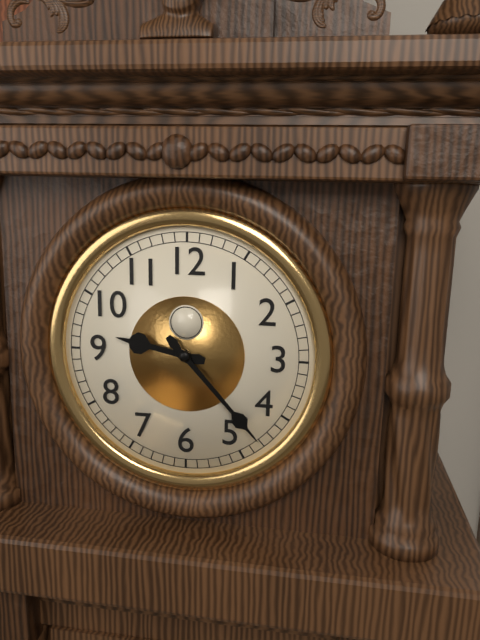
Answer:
9,23
